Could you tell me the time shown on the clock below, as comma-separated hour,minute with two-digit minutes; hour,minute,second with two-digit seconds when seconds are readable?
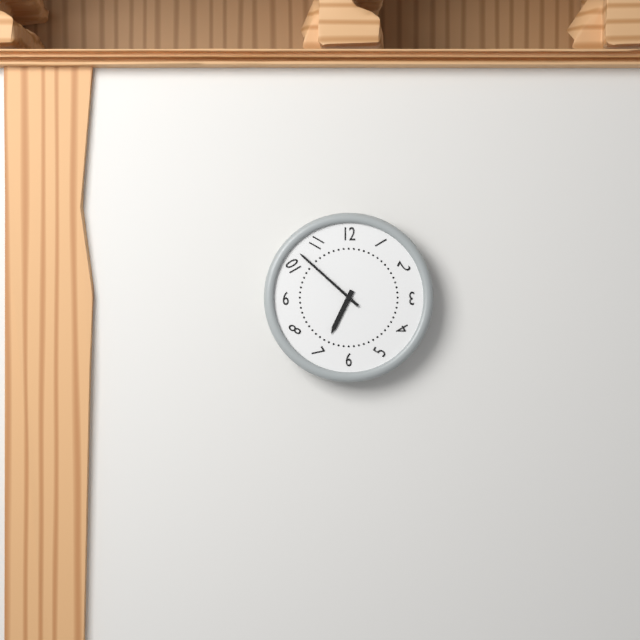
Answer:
6,52
